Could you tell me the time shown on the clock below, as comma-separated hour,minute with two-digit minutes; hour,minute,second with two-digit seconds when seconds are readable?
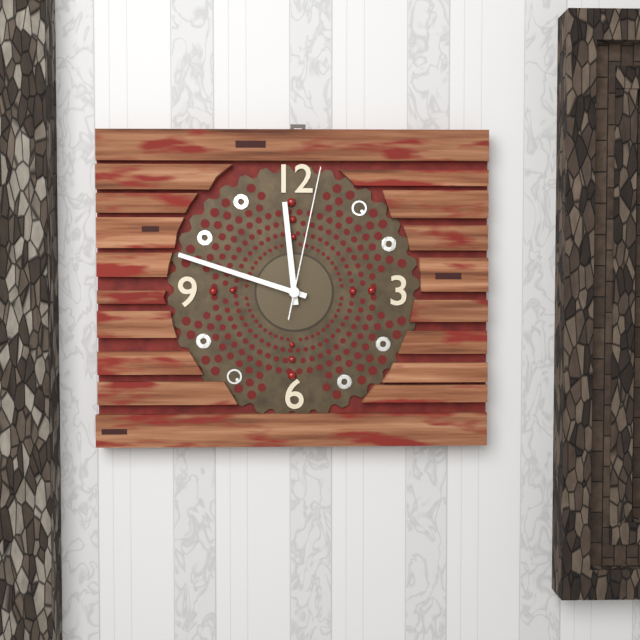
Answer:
11,48,02
